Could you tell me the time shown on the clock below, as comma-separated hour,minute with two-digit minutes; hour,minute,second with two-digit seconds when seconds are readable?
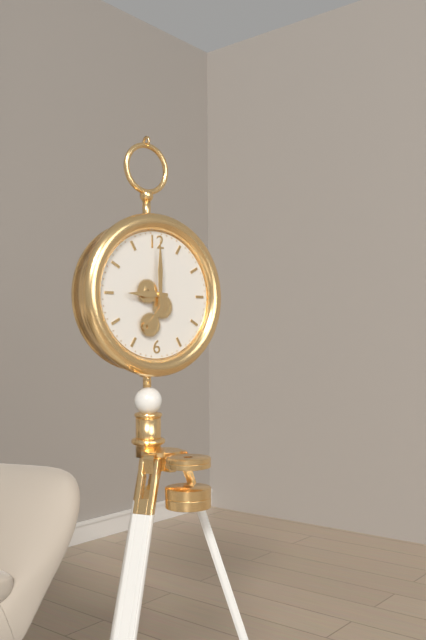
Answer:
9,00
